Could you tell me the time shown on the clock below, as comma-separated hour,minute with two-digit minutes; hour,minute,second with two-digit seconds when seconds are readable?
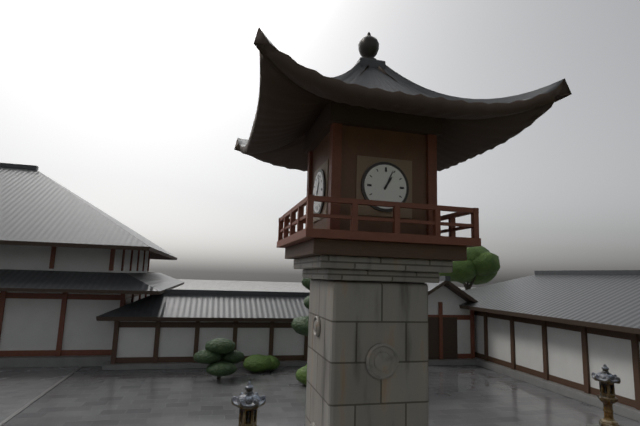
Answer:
1,04
